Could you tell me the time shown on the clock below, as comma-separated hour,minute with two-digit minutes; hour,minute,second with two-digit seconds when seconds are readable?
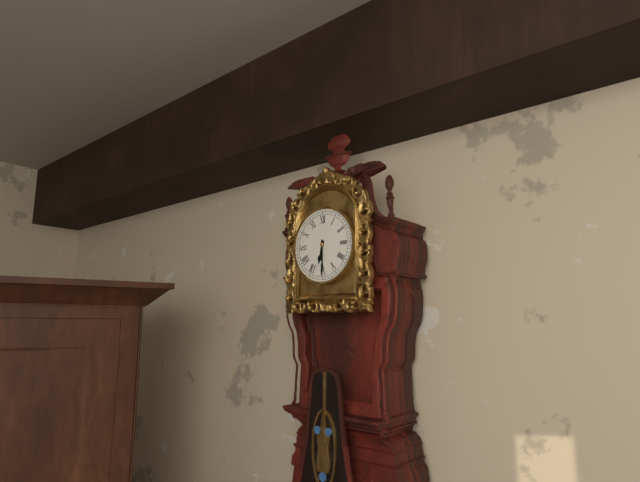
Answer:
6,30
